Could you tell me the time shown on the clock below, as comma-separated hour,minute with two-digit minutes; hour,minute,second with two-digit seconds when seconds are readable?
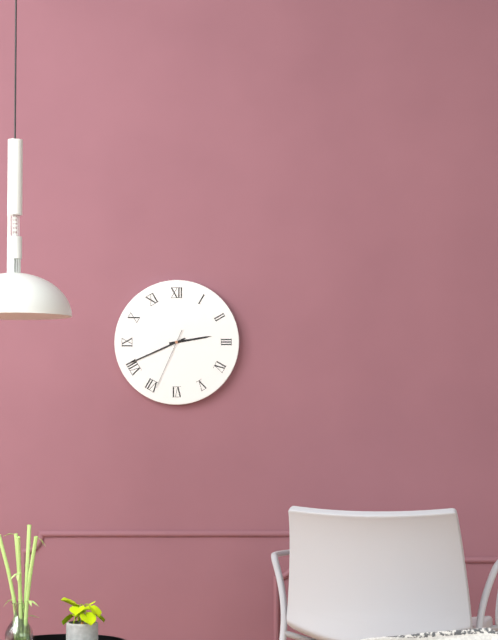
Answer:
2,41,34
